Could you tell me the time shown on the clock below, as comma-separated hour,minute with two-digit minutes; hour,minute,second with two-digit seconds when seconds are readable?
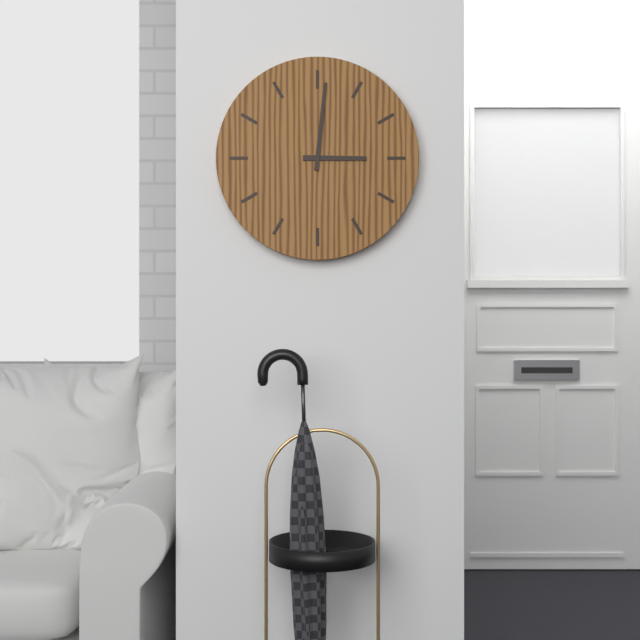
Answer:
3,01
